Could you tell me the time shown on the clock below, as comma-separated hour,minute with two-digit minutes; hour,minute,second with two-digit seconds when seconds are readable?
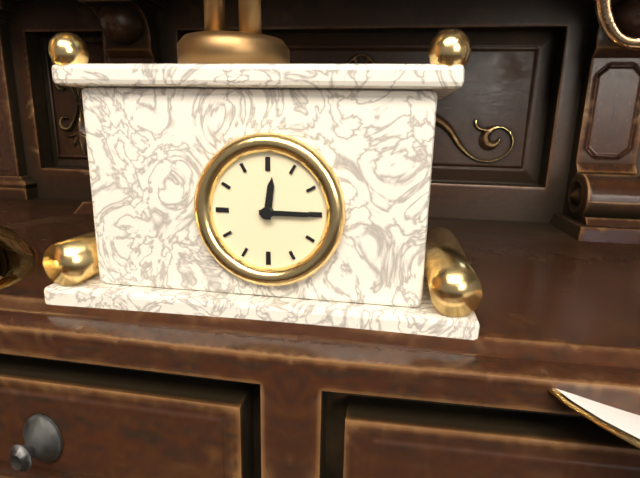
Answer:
12,15
